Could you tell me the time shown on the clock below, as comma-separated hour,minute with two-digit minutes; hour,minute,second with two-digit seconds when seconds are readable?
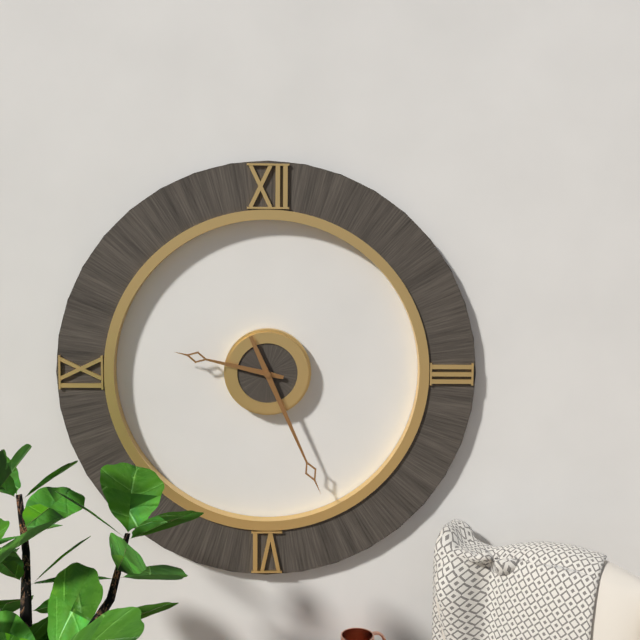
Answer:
9,26
